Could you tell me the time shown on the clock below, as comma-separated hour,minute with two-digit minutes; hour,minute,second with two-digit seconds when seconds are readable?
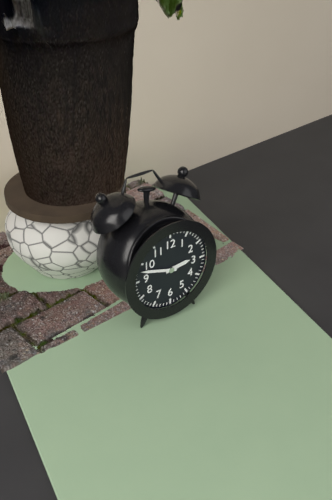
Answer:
2,48
